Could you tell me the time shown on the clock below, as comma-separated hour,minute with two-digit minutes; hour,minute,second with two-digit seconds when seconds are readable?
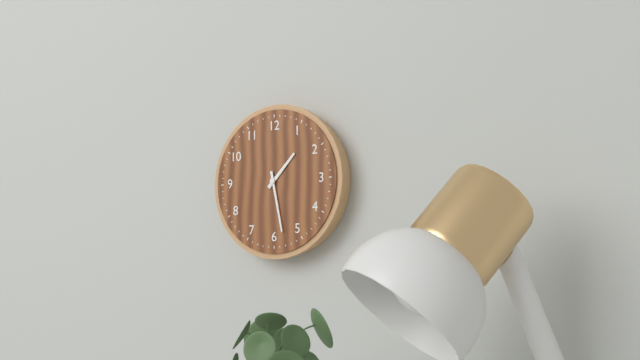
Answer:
1,28
